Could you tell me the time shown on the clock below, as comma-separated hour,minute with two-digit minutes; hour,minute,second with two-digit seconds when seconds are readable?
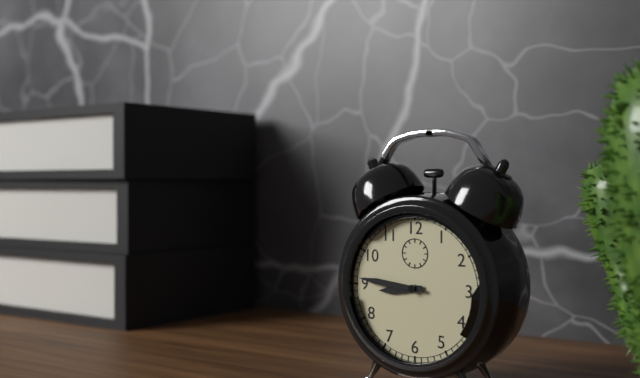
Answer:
8,46
